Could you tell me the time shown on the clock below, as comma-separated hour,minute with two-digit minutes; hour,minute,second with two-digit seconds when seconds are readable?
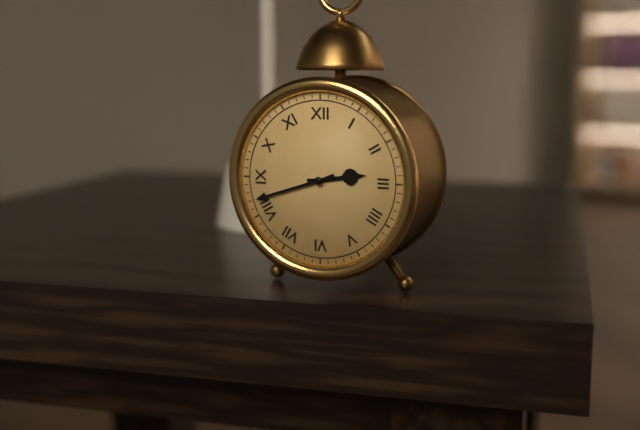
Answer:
2,42
